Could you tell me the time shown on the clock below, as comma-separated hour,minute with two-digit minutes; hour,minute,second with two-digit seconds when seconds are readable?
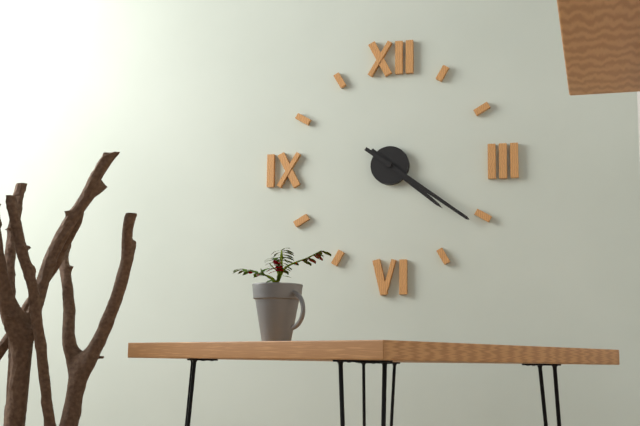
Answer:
4,21
